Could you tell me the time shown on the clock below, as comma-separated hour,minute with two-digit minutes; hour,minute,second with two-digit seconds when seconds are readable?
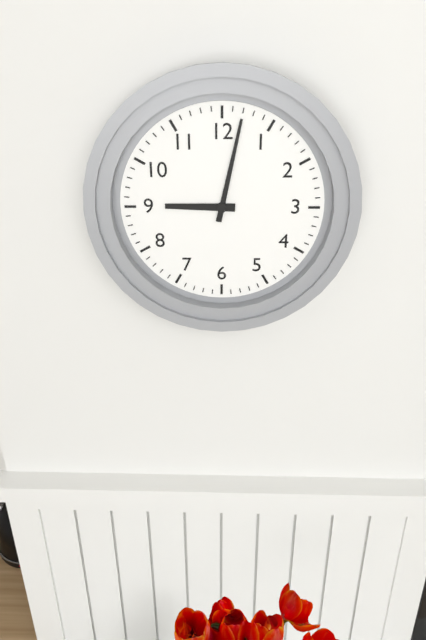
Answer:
9,02
